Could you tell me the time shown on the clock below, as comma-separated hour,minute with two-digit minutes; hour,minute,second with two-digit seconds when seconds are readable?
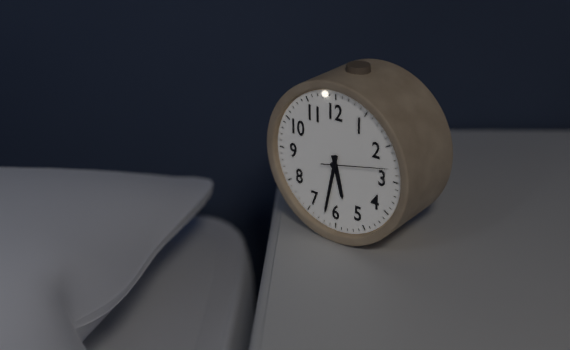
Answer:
5,32,13
